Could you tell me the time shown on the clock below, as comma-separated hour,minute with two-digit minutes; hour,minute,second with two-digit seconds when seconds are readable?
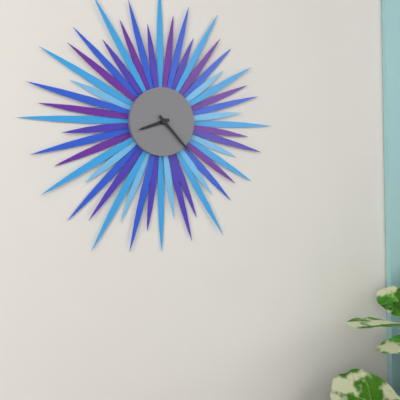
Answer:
8,23
